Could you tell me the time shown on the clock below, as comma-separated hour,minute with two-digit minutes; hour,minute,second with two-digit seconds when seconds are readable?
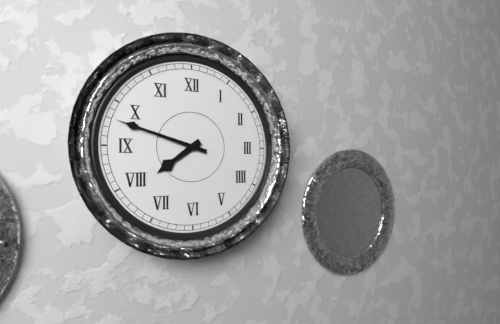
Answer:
7,48
